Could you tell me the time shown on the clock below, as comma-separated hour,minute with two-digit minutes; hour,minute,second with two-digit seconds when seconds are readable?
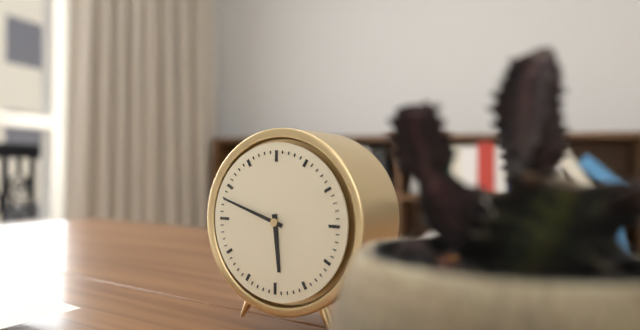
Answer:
5,48
